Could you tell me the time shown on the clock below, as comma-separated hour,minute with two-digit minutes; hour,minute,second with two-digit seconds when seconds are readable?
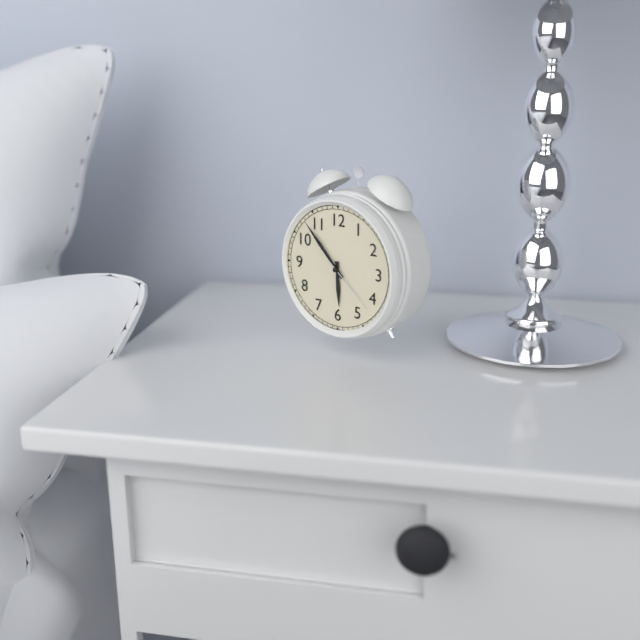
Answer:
5,53,22
